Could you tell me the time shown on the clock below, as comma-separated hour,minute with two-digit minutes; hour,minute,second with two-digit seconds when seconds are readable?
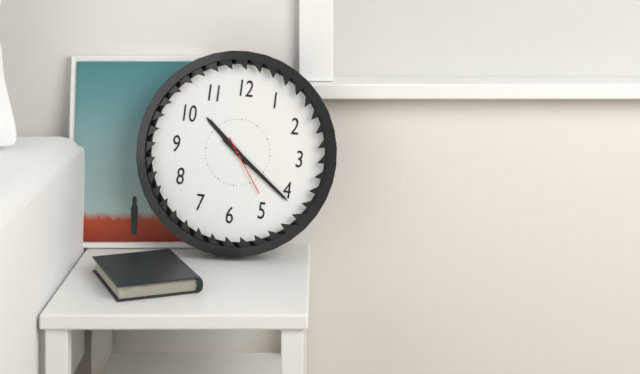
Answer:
10,21,24
